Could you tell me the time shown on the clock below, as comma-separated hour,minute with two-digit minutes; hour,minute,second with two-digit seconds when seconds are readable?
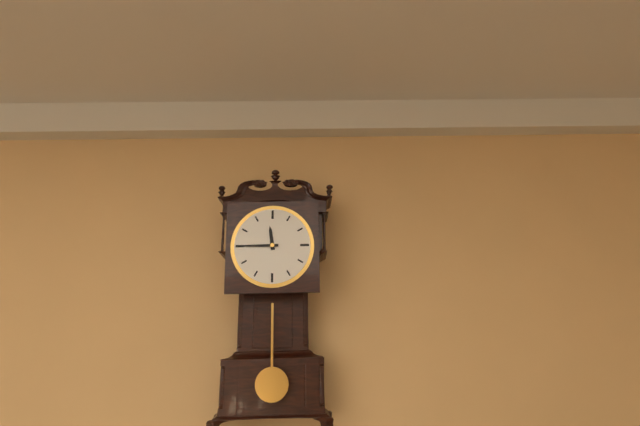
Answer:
11,45
